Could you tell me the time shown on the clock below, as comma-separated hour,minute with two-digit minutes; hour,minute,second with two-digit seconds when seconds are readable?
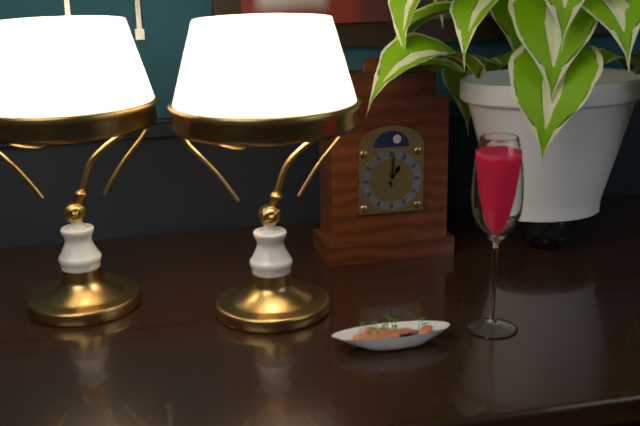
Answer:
1,01
